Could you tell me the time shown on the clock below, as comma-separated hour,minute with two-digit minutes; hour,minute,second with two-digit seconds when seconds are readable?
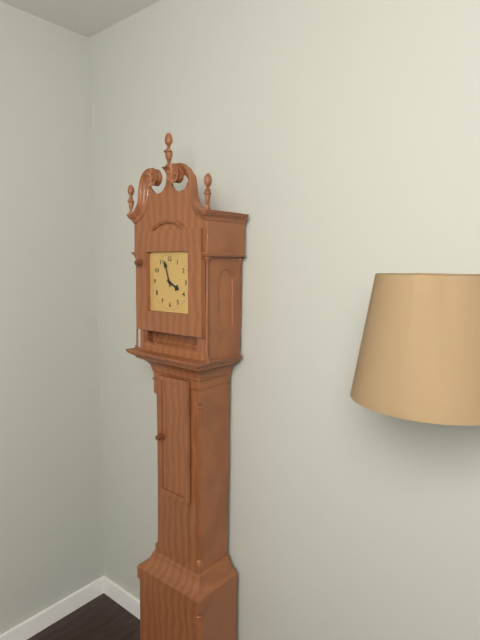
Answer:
3,57
